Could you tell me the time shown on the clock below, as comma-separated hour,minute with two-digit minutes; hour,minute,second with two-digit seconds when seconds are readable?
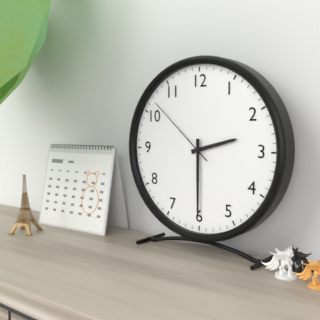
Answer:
2,30,52
